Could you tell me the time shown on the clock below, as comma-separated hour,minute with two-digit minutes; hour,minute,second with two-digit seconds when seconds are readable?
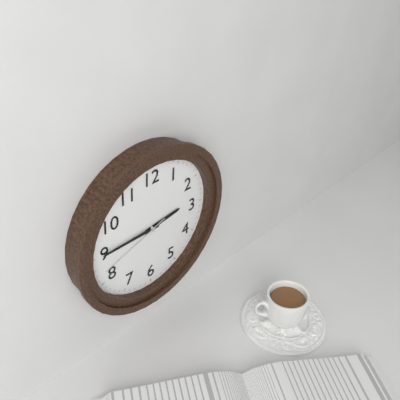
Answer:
2,45,42
